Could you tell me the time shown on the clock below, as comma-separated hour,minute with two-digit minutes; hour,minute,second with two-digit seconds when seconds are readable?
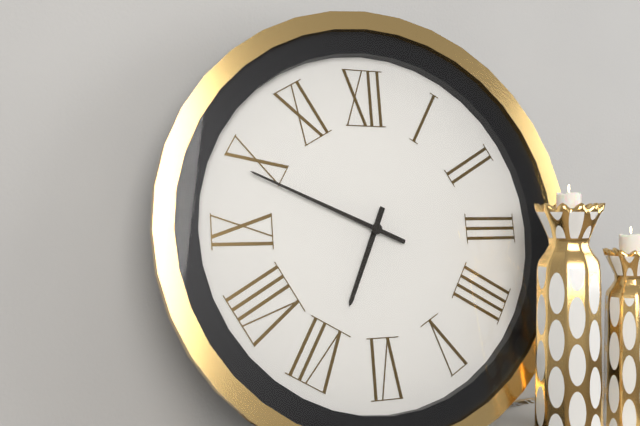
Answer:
6,49
